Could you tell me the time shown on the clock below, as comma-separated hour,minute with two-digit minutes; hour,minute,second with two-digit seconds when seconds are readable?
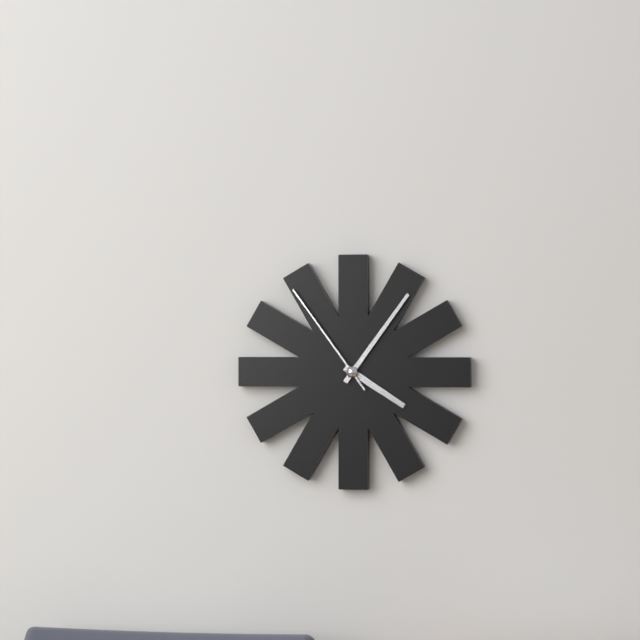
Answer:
4,06,54
